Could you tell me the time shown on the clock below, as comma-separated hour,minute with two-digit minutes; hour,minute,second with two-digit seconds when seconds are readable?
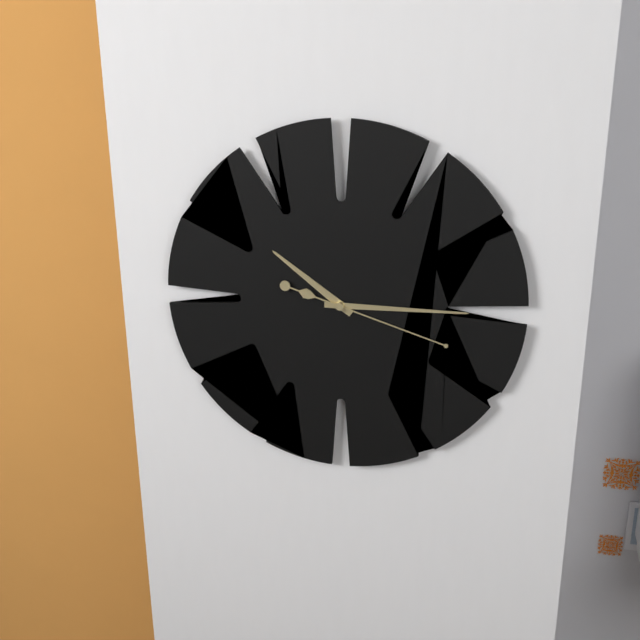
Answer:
10,15,18
